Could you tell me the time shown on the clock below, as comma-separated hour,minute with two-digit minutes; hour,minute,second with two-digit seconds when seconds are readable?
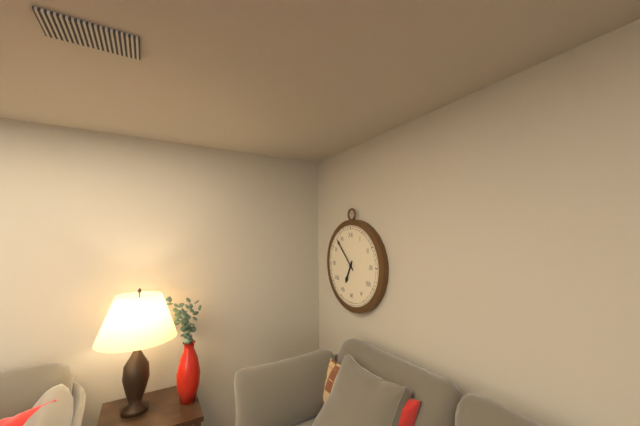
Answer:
6,53
